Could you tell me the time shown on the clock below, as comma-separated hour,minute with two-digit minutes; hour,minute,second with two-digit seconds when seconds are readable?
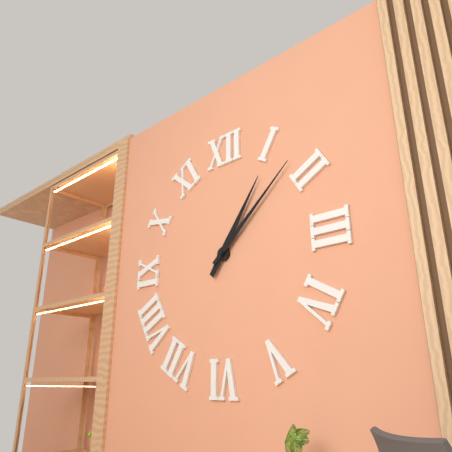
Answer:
1,08
